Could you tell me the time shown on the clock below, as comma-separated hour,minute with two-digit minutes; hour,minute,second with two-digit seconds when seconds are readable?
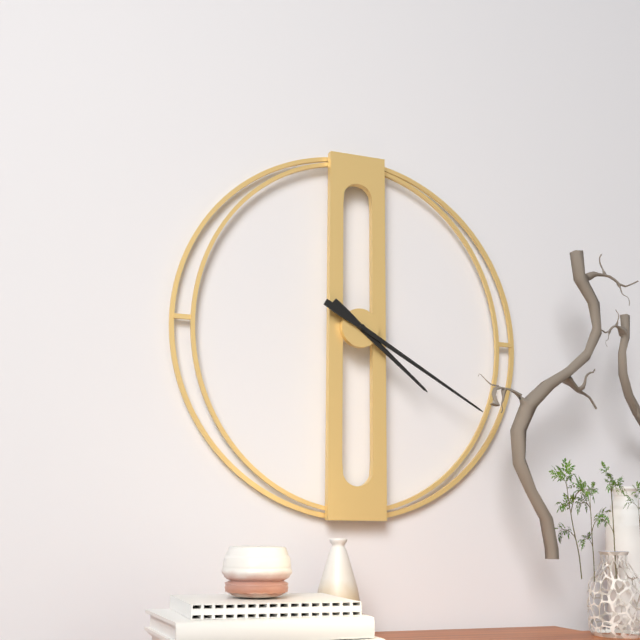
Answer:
4,20
